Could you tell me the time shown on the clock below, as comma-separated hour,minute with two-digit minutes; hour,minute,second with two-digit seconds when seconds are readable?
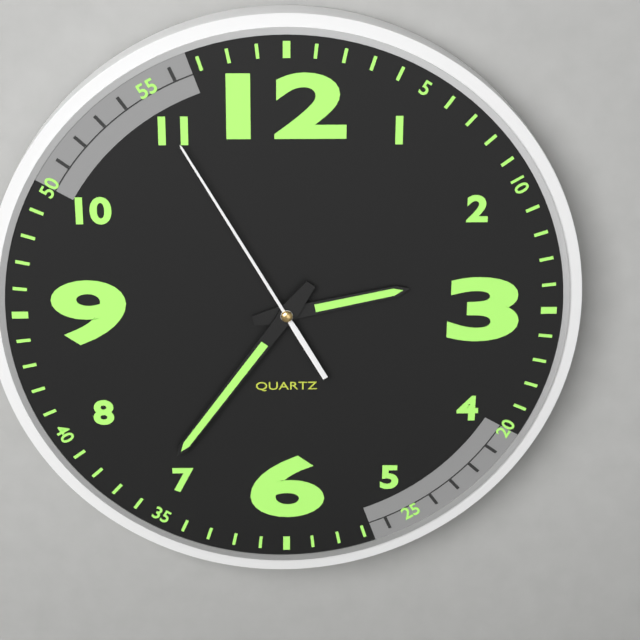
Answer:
2,36,55
